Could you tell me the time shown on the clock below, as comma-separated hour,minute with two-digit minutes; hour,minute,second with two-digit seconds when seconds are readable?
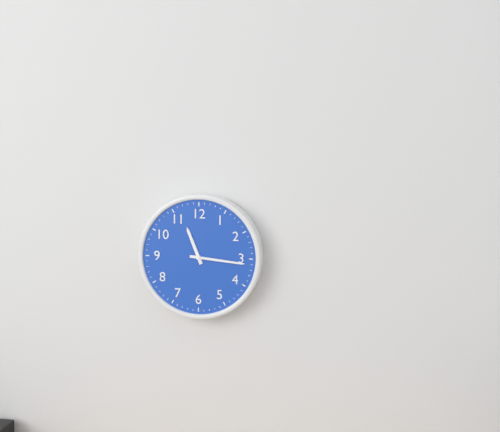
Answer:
11,16
